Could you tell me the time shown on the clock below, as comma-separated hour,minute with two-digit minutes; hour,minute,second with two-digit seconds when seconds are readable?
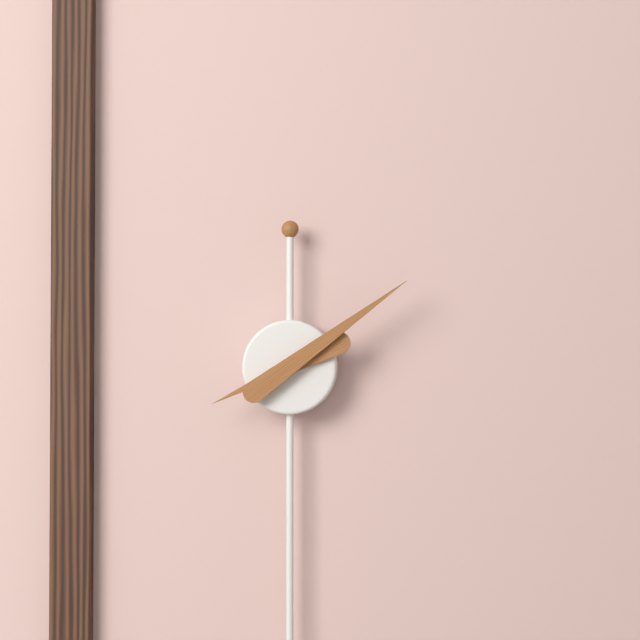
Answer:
8,09
